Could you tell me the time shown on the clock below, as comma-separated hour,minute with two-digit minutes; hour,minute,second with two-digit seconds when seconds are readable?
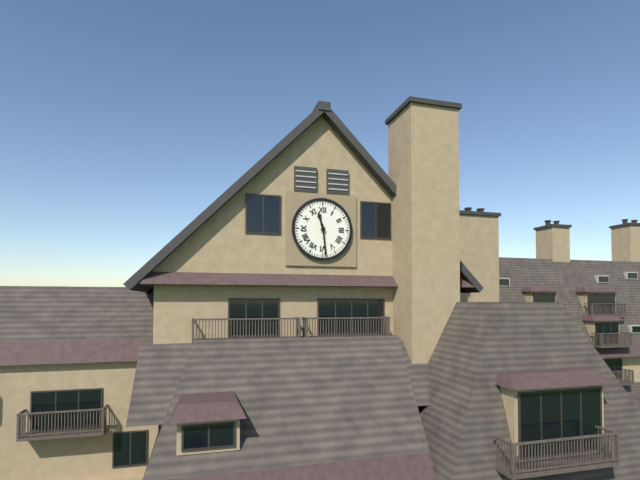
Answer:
11,29
